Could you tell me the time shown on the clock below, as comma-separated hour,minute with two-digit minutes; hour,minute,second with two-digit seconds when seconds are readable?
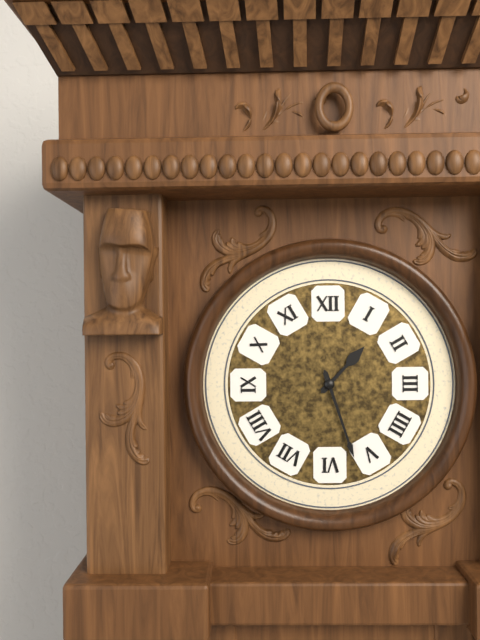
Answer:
1,27
